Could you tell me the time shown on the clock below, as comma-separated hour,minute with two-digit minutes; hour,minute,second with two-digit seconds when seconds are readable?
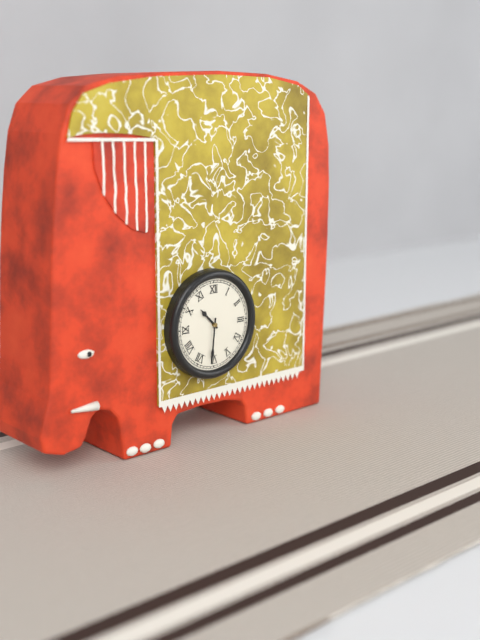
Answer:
10,31
